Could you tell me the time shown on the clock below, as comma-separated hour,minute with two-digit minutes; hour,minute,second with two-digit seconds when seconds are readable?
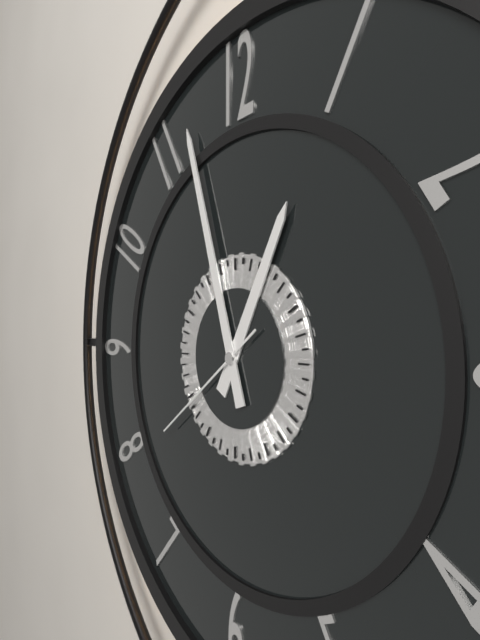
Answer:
12,57,39
